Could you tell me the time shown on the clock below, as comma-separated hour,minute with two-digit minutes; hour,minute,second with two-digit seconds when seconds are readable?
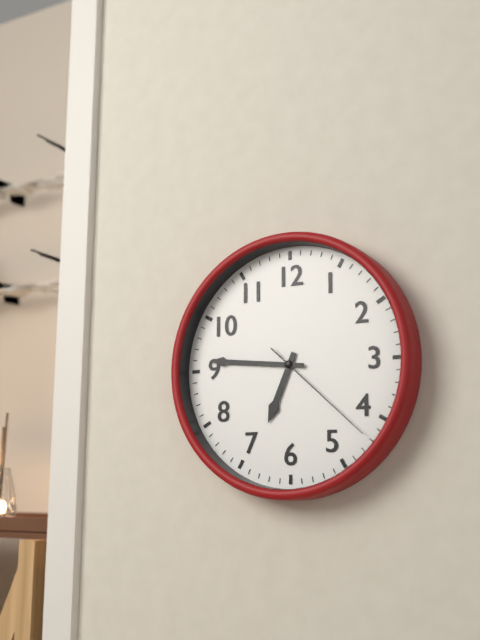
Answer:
6,46,22
